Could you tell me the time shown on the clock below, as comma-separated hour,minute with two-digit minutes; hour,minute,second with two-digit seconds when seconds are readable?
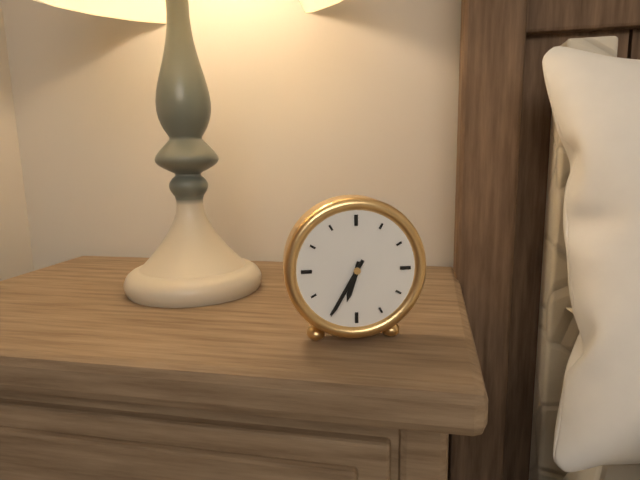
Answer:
6,35
